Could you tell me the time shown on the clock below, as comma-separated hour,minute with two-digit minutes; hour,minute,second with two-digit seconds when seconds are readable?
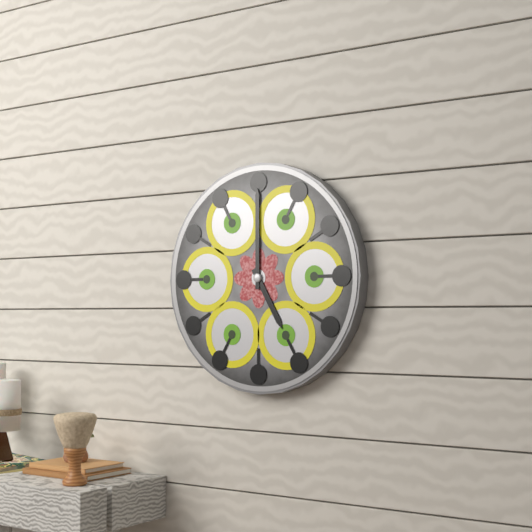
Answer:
5,00
